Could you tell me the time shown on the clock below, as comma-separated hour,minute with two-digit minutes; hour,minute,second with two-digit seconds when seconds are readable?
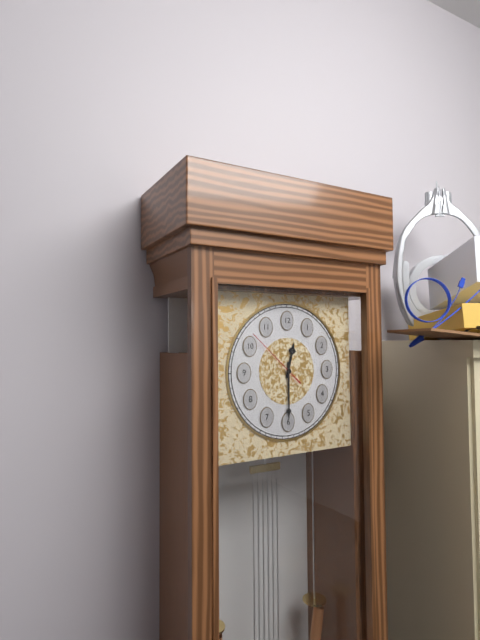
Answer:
12,30,52
